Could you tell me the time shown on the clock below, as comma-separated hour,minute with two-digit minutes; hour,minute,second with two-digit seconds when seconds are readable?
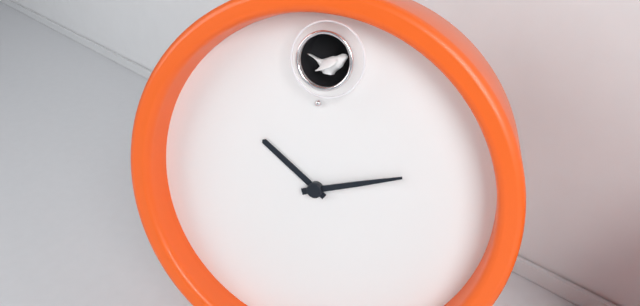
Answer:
10,12
